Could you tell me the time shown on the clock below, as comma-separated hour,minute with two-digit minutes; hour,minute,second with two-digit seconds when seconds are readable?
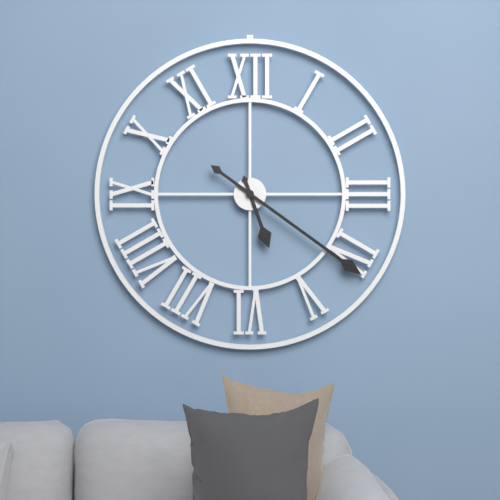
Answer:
5,21
